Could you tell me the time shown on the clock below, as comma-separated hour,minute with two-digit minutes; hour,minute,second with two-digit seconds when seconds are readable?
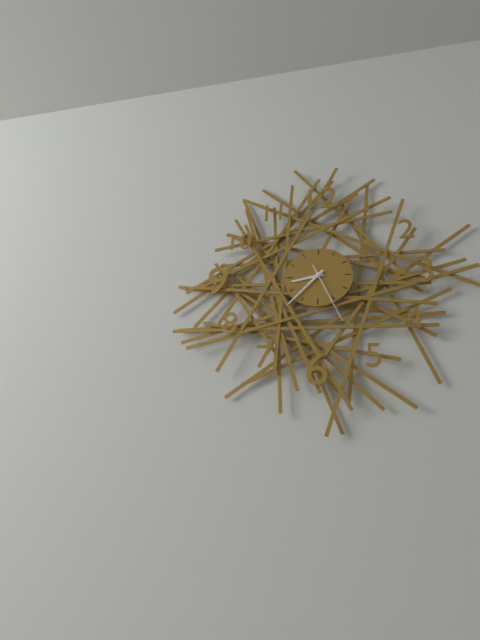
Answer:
8,37,26
